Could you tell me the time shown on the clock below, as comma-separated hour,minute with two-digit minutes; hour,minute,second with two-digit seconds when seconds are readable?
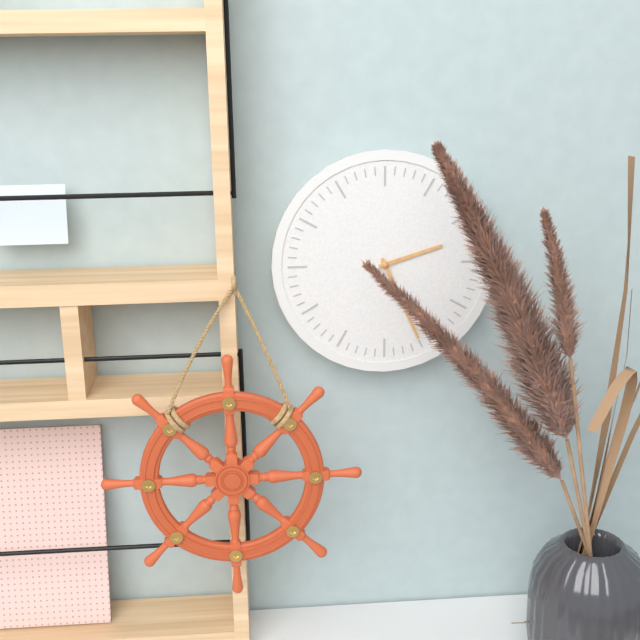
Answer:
2,26
